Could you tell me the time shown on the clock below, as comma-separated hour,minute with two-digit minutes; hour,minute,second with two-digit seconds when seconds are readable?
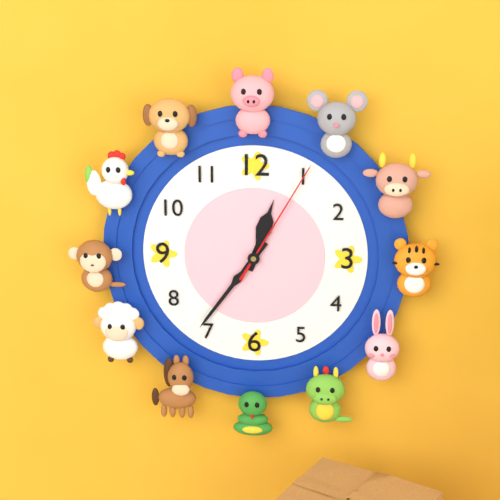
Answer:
12,36,05
